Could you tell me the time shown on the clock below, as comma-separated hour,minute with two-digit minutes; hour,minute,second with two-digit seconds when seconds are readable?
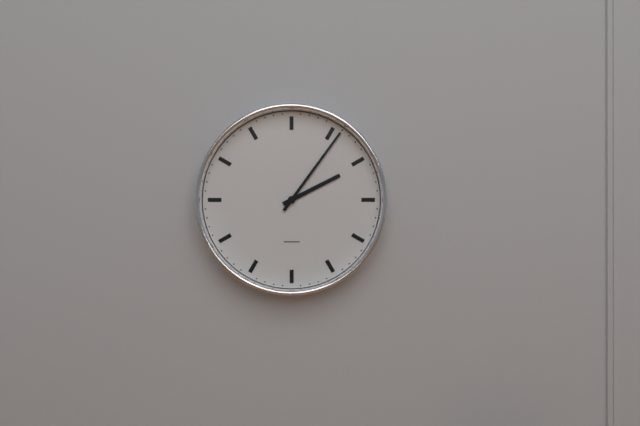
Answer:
2,06
